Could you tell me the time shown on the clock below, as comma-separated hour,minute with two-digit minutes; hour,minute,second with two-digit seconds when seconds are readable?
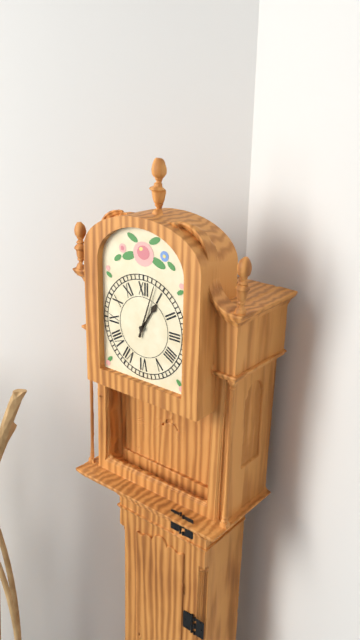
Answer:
1,03
